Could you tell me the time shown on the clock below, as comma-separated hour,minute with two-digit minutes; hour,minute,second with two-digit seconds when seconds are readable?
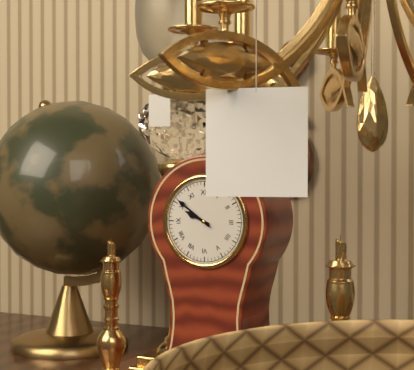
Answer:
9,51
